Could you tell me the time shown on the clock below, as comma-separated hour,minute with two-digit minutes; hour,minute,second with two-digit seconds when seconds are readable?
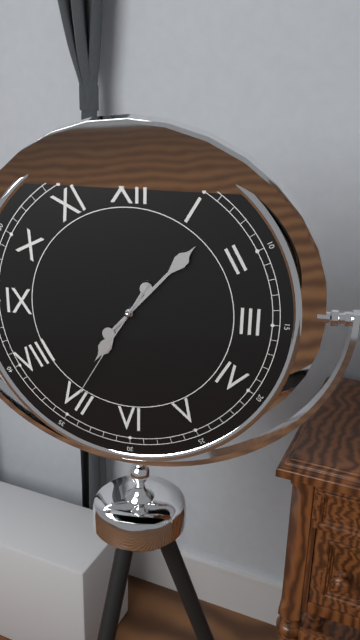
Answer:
7,07,35
